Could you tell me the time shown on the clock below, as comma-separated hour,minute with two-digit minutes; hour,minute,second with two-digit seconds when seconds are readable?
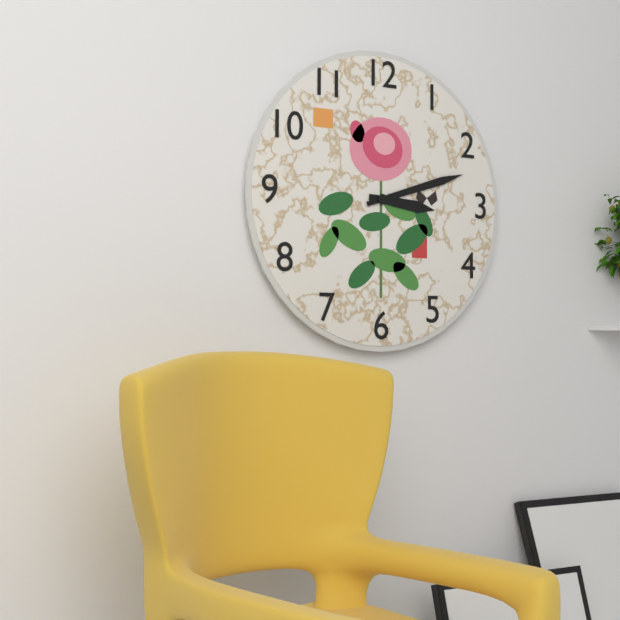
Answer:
3,12
